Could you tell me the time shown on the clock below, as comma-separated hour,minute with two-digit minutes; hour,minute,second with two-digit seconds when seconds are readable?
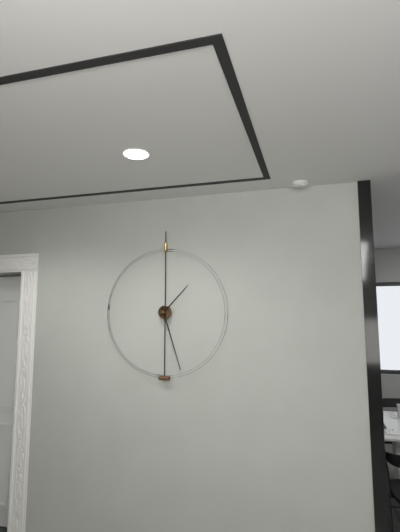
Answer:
1,27
